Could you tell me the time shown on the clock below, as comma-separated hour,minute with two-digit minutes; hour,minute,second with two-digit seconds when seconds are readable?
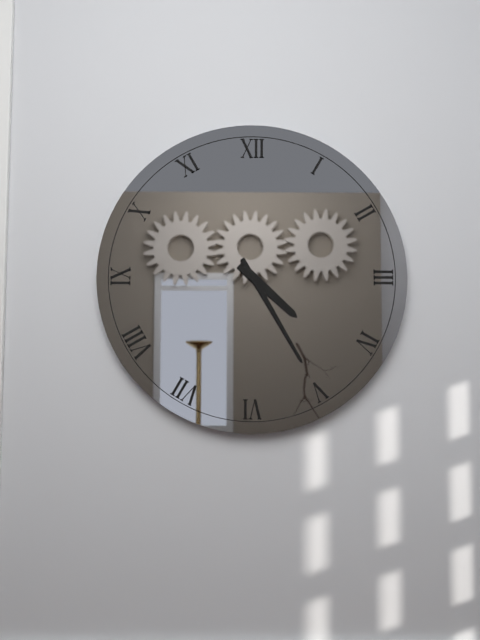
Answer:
4,25
